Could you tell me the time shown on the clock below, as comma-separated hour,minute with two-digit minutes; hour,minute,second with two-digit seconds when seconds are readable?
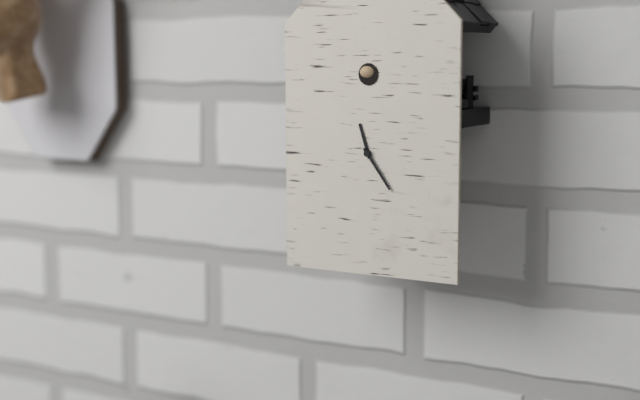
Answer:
11,24
